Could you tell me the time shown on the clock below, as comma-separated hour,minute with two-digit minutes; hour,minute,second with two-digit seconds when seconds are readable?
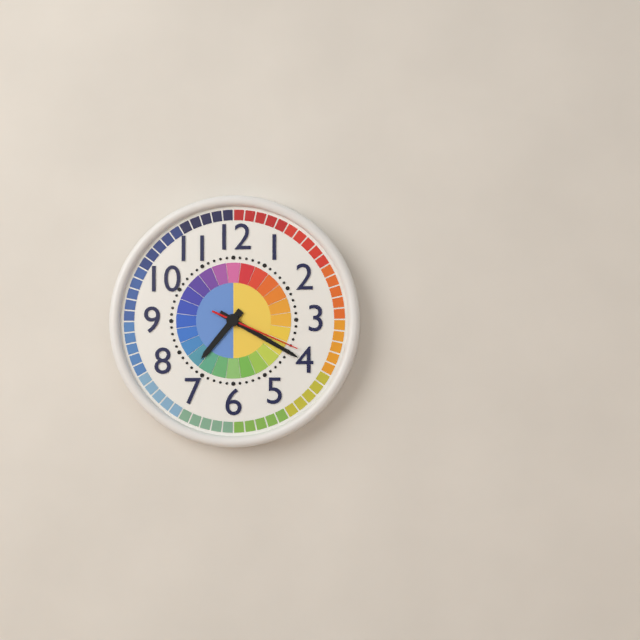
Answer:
7,20,19
